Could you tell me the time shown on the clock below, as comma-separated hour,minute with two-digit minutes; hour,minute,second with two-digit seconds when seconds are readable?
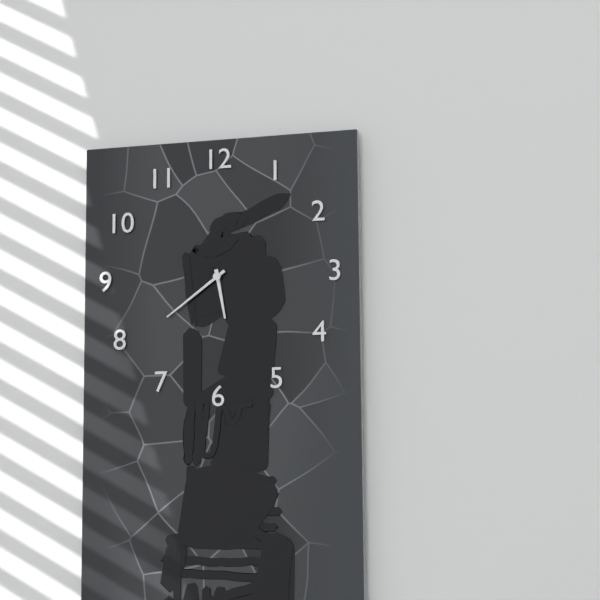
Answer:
5,39
